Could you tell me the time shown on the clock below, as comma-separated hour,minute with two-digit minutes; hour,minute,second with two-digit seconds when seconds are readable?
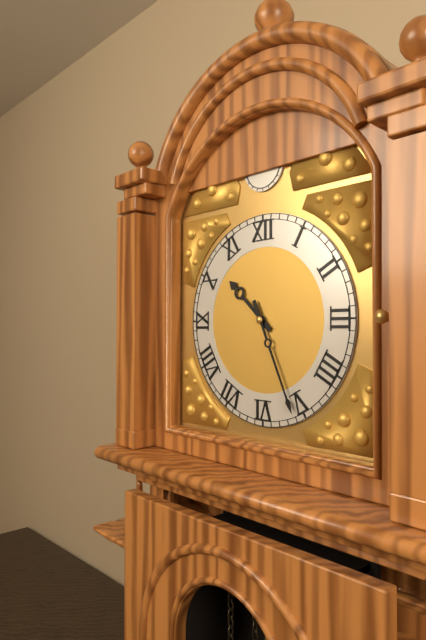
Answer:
10,26
